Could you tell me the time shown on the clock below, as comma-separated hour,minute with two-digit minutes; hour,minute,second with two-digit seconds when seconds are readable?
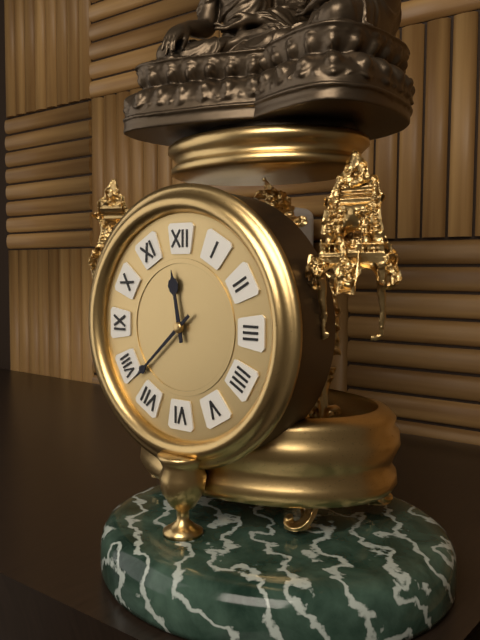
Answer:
11,38
